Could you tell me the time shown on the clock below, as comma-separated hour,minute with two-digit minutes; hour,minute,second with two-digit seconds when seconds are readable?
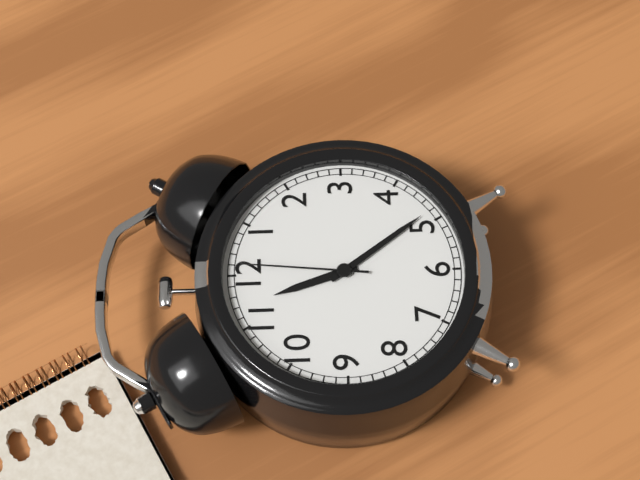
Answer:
11,24,01
